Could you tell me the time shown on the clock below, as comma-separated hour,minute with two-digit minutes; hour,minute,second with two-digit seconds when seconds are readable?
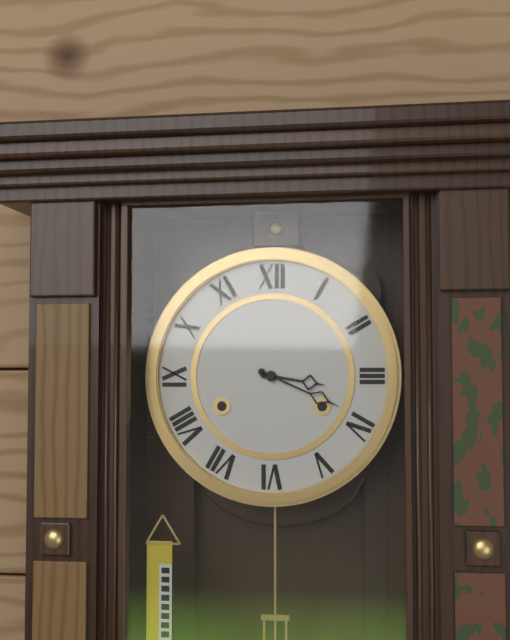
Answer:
3,19
